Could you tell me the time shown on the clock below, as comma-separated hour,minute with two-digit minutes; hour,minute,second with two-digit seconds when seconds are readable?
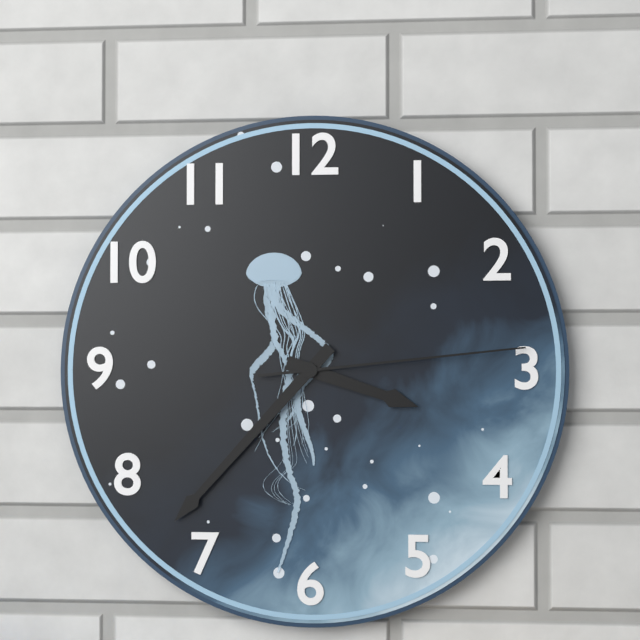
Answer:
3,37,14
